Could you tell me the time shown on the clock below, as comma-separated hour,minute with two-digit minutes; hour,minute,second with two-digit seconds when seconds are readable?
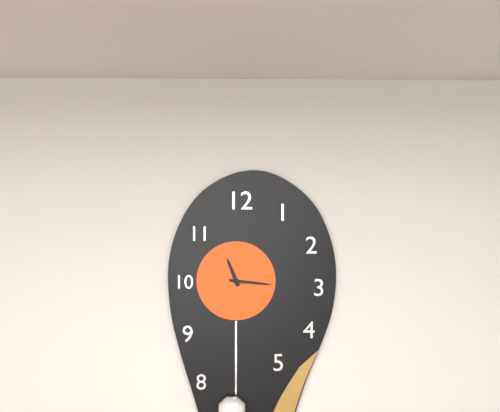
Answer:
11,16
